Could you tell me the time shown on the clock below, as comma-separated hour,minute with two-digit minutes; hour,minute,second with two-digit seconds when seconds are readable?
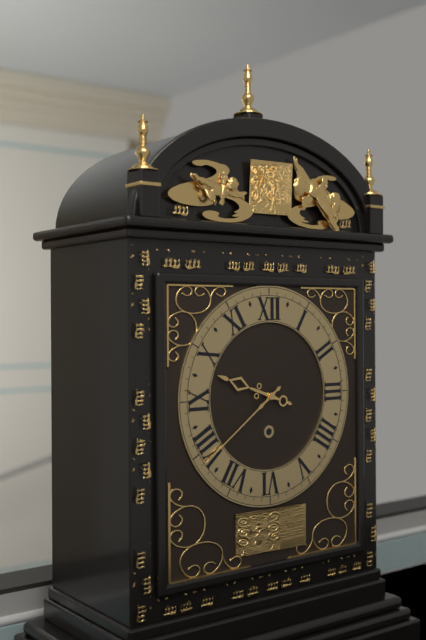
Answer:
9,39
